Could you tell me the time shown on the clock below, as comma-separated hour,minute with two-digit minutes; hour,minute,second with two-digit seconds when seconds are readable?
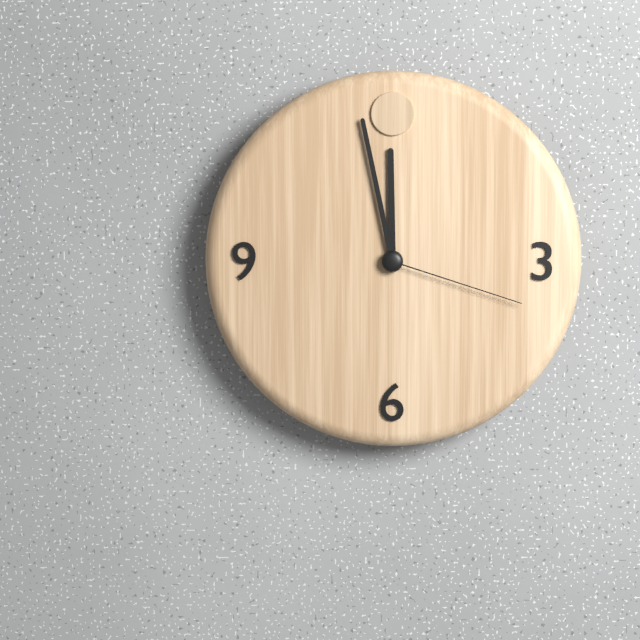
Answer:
11,58,18
